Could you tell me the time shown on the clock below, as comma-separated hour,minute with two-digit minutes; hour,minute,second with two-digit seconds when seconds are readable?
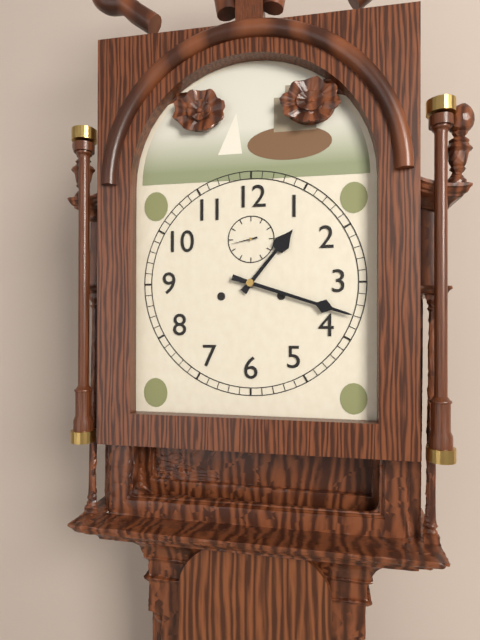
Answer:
1,18
